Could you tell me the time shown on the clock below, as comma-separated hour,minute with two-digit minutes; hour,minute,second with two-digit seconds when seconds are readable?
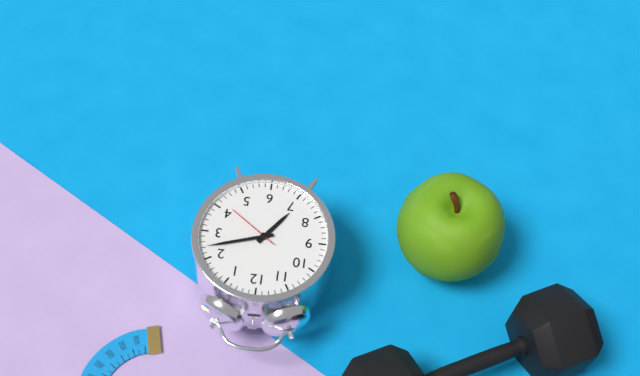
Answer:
7,12,21
